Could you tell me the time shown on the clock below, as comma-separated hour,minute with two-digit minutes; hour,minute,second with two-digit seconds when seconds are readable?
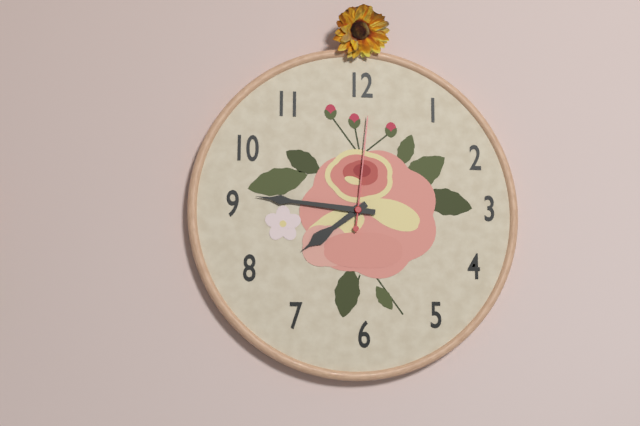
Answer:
7,46,01
